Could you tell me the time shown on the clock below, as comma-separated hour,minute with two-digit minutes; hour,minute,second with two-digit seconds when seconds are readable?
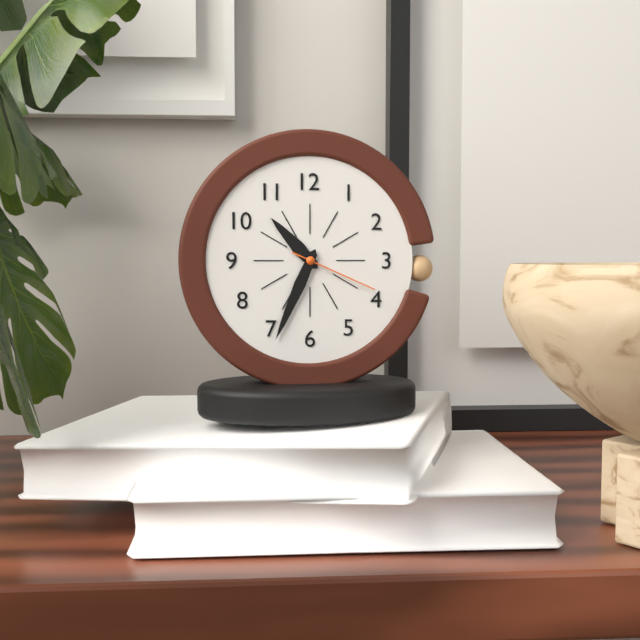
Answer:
10,34,19
